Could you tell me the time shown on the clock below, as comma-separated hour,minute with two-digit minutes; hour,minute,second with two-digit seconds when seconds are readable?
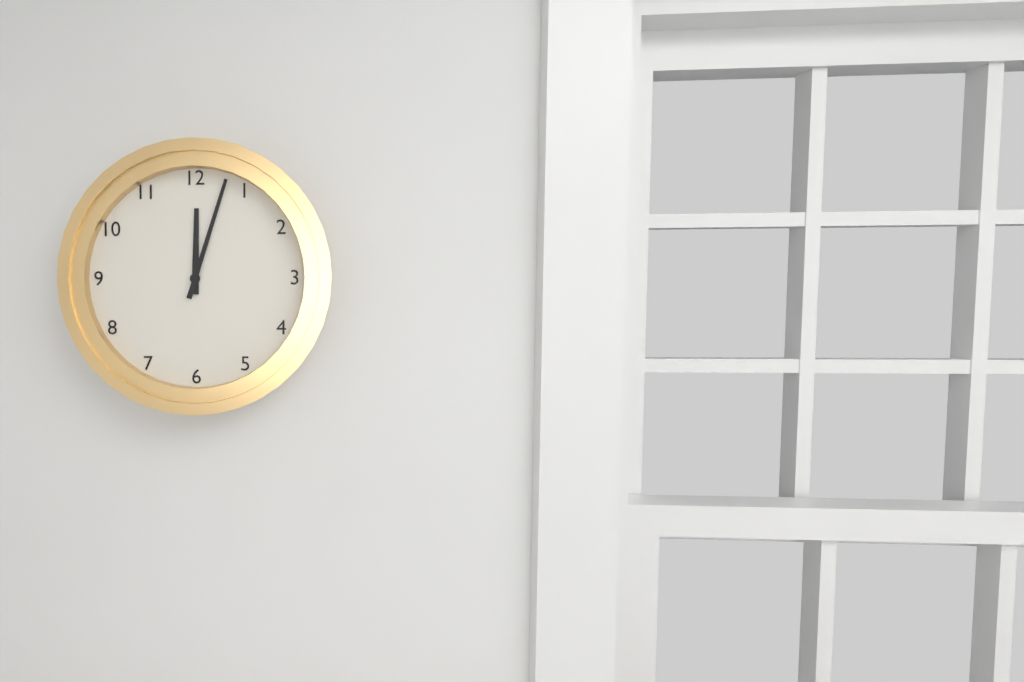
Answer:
12,03
